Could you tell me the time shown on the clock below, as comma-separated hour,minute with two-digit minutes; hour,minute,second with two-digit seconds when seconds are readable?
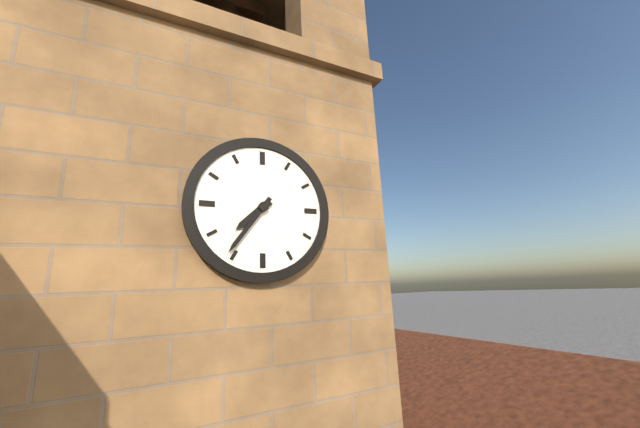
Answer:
7,36
